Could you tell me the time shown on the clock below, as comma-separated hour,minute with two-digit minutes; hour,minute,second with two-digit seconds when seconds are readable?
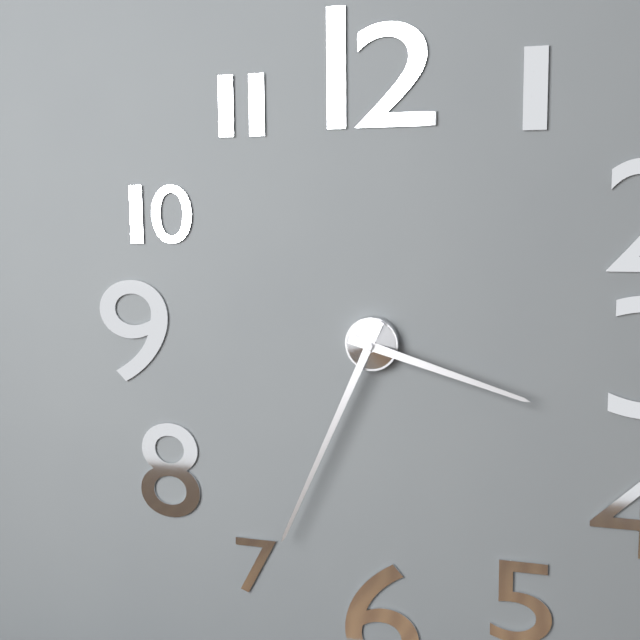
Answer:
3,34
